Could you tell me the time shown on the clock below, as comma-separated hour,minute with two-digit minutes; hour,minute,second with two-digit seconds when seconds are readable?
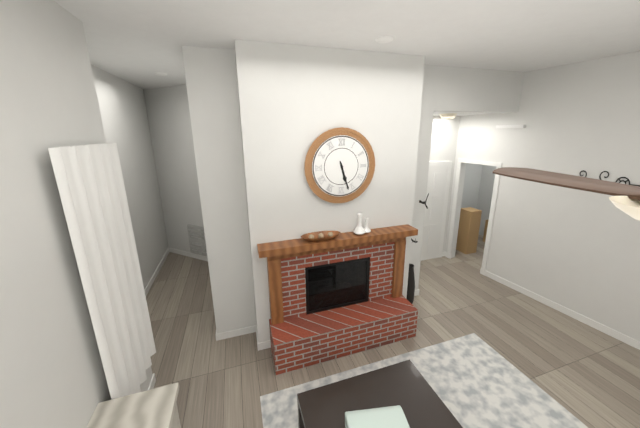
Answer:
5,27
